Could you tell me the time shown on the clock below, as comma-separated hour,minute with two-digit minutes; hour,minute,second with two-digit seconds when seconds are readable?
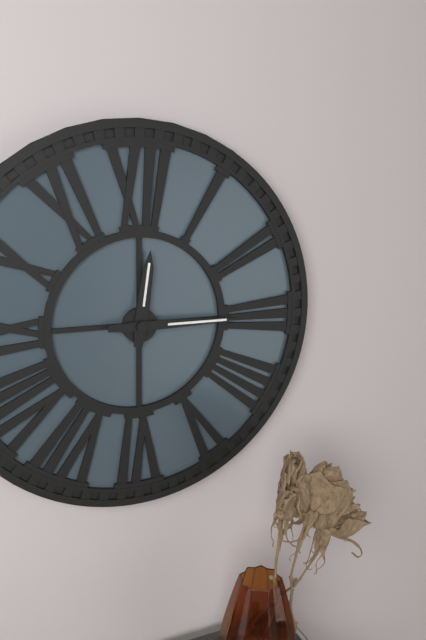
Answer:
12,15
